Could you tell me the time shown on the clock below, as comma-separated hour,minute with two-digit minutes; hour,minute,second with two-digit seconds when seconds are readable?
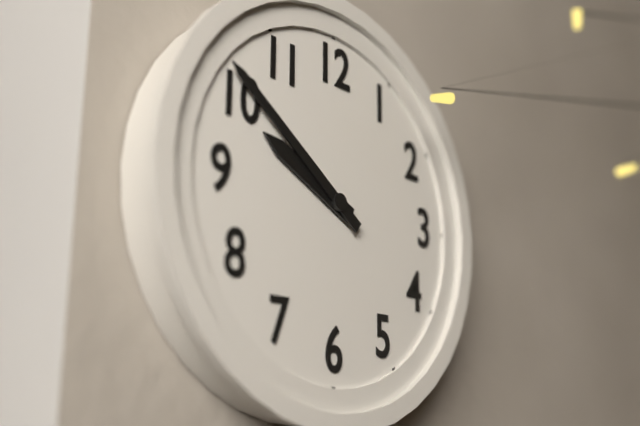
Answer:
9,51
